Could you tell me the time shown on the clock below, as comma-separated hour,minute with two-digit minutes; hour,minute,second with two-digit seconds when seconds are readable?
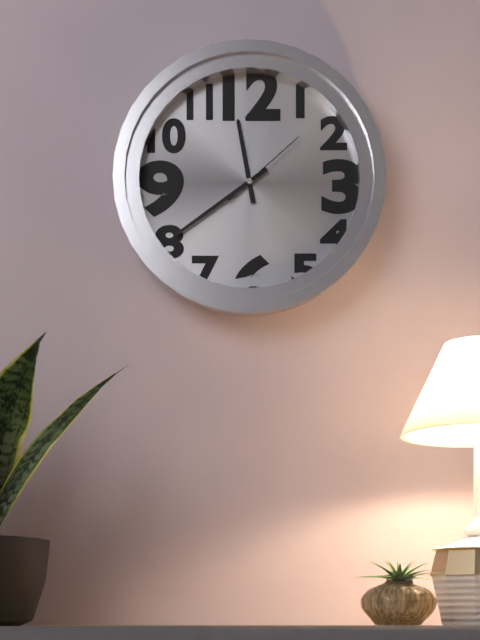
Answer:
11,39,08
